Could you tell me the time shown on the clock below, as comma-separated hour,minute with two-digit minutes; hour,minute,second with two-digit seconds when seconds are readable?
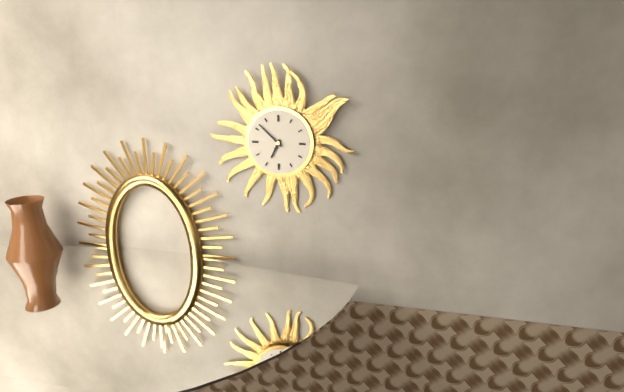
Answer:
6,52
